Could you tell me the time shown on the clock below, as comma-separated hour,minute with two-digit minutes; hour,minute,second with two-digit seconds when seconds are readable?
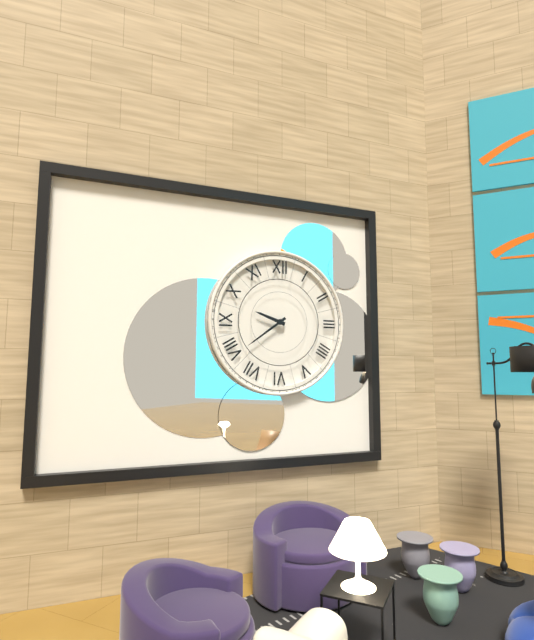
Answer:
9,39
